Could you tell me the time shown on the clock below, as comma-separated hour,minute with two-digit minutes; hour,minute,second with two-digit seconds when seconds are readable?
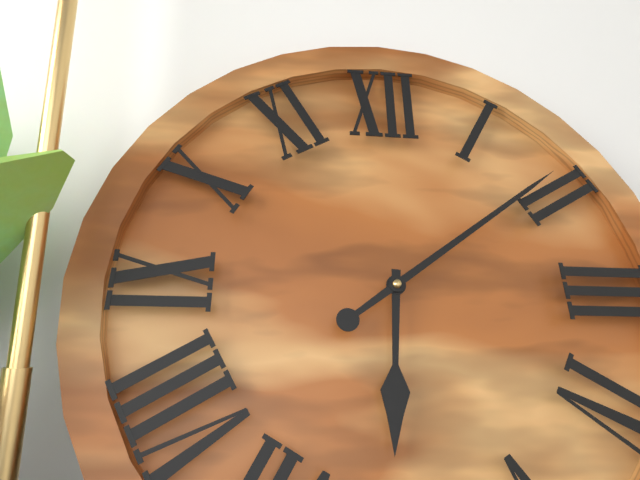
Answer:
6,09
